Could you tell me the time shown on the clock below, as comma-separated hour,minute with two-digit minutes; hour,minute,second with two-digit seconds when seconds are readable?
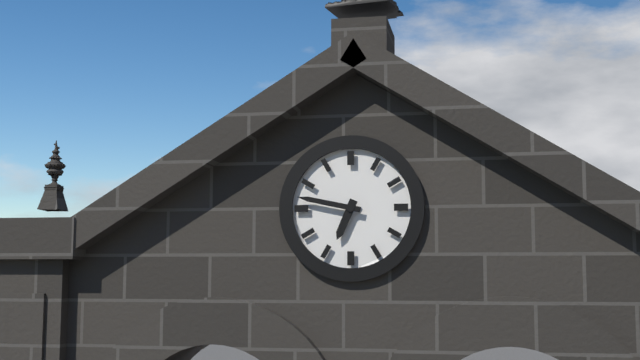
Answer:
6,47
